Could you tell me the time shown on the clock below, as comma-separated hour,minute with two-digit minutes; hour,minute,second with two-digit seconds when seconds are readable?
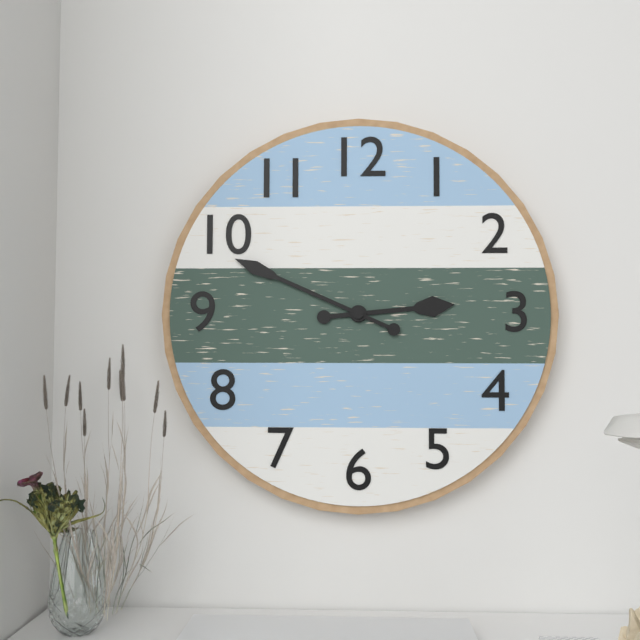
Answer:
2,49
